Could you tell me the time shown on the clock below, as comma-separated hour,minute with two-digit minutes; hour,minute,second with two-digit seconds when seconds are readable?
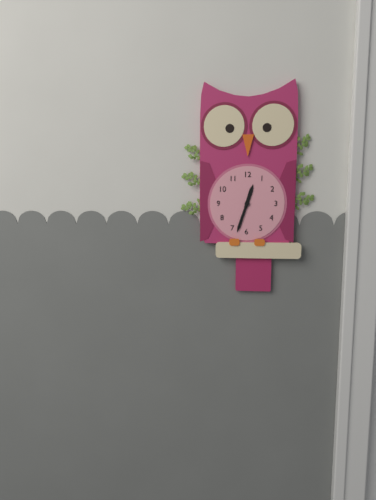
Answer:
12,33
